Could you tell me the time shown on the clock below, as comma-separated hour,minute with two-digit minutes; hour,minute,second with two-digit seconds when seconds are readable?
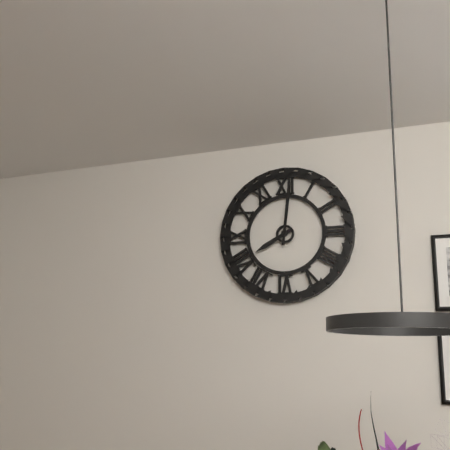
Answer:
8,01
